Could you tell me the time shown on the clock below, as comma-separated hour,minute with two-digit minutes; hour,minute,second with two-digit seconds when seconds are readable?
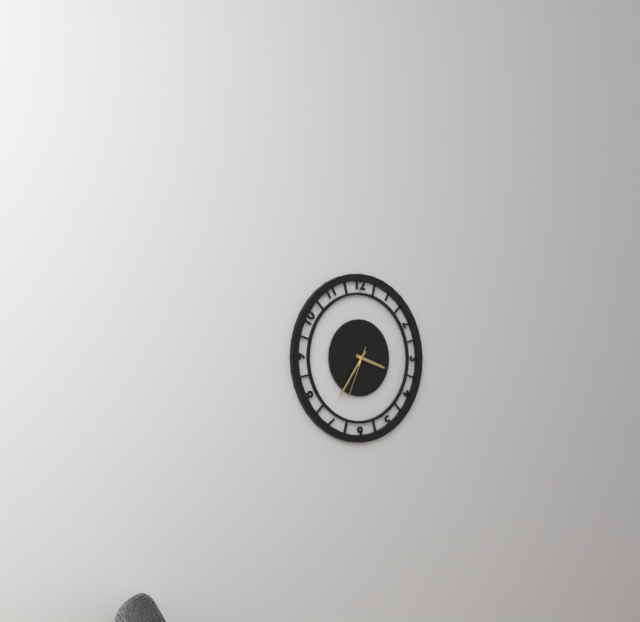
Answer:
3,36,34
